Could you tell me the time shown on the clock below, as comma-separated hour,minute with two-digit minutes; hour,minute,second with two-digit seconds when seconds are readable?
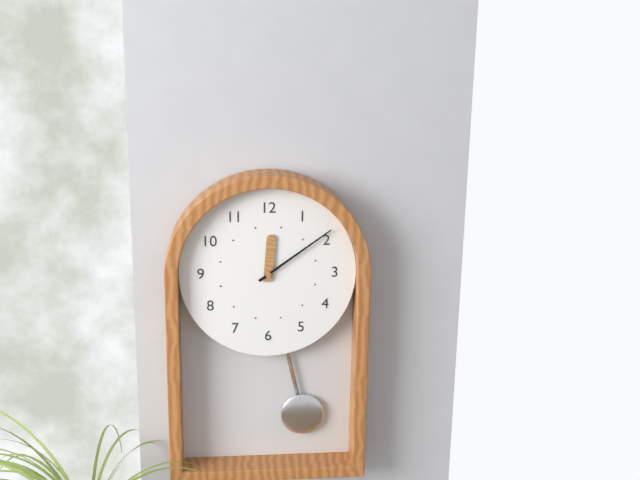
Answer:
12,09
